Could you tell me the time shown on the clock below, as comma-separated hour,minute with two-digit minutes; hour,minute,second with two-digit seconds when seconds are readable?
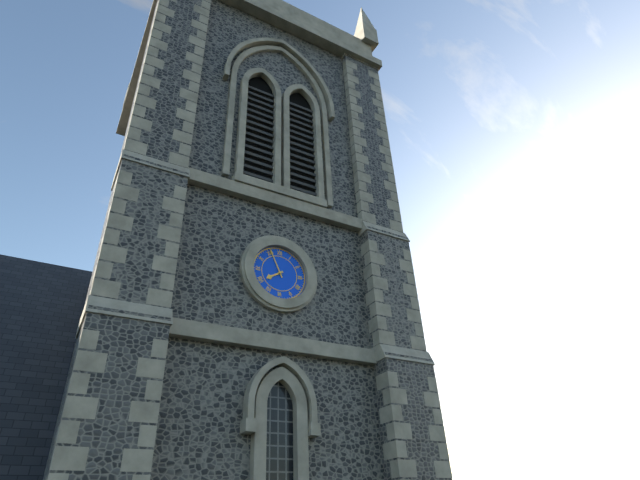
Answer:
7,56
